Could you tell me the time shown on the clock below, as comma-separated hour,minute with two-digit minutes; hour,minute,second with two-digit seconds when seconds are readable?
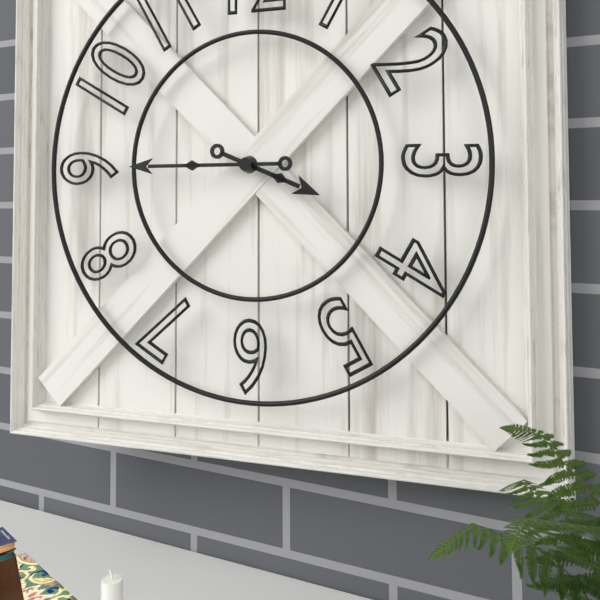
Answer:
3,45
